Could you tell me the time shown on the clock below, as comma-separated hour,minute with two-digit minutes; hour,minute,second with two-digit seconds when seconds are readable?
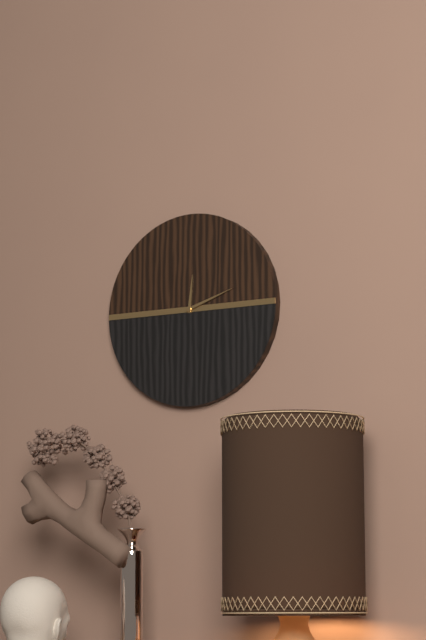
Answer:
12,12
